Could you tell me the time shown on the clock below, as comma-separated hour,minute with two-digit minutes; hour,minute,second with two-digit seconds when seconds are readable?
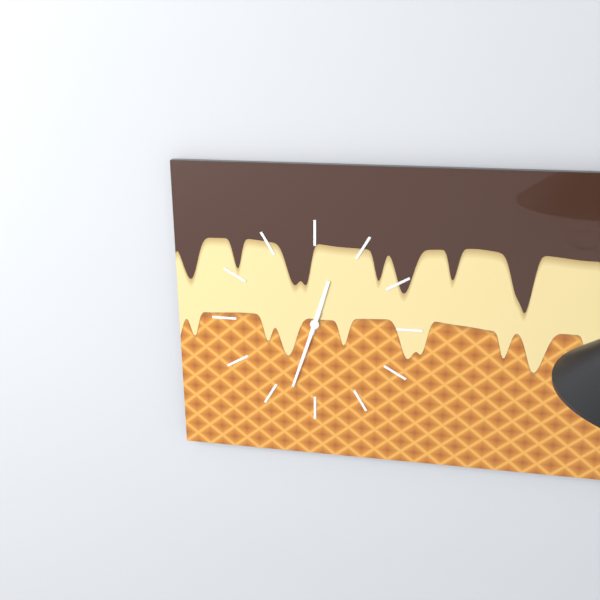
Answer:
12,33
